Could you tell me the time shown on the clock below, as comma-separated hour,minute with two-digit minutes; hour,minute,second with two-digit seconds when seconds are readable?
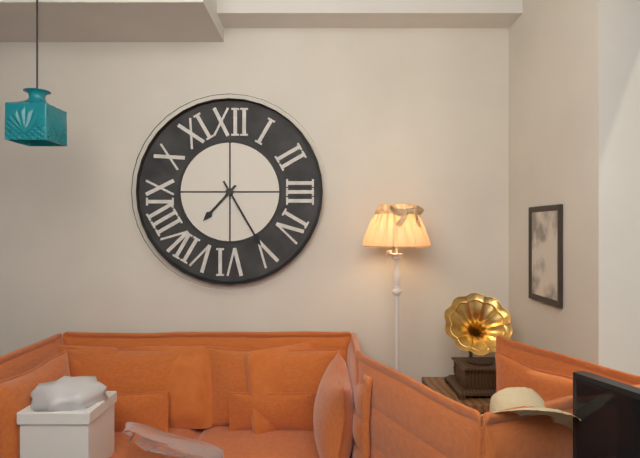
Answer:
7,25
